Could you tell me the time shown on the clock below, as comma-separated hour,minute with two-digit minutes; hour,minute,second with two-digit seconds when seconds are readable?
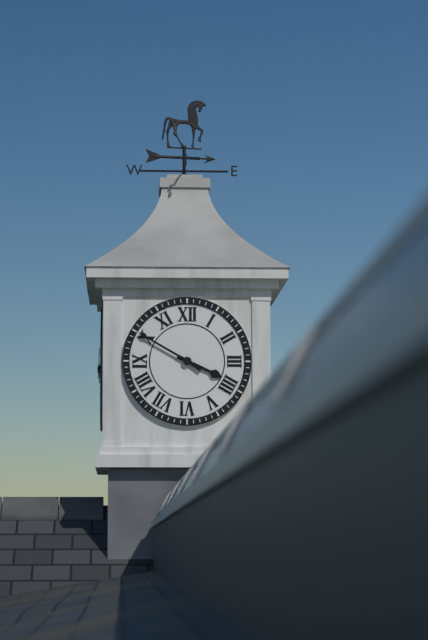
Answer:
3,50
